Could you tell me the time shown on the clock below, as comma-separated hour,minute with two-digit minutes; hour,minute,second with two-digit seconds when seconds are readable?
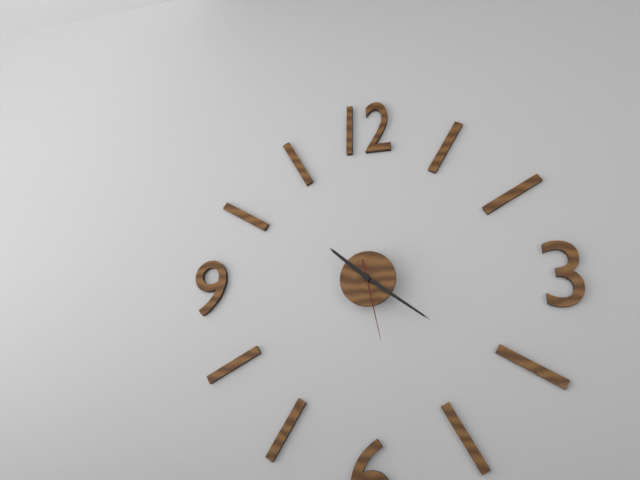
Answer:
10,21,28
